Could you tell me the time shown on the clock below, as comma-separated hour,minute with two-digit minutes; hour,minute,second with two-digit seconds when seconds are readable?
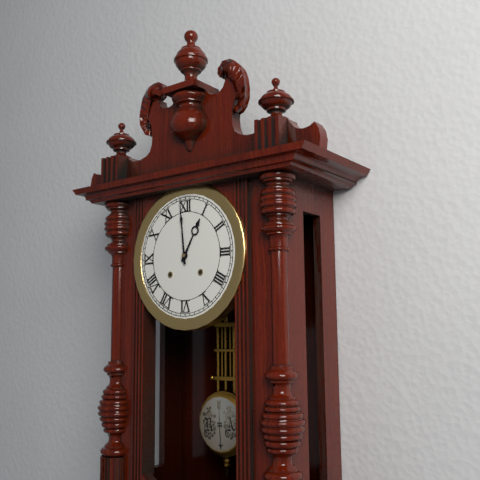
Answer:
12,59
